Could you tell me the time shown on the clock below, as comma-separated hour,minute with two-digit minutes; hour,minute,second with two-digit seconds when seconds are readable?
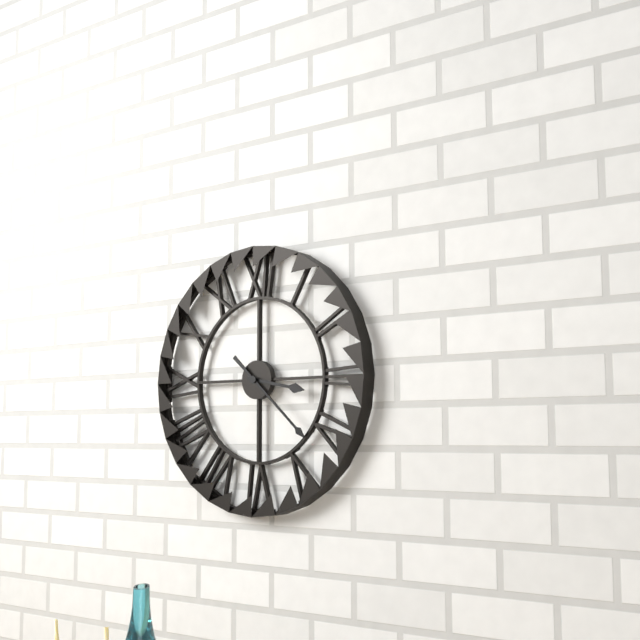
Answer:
3,22
